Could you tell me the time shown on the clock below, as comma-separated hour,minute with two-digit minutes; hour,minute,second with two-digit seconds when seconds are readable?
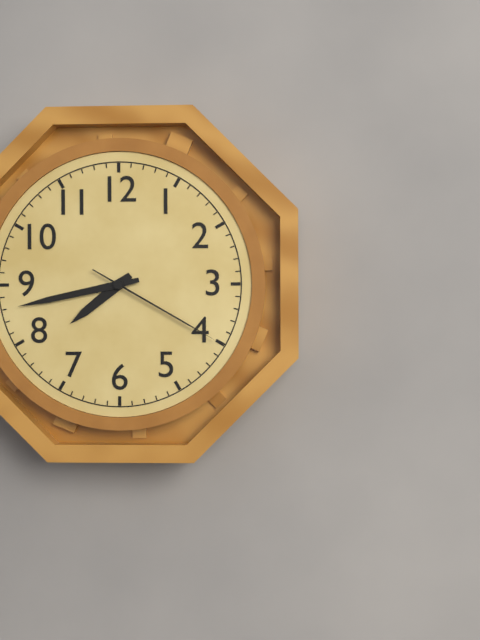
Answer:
7,43,20
